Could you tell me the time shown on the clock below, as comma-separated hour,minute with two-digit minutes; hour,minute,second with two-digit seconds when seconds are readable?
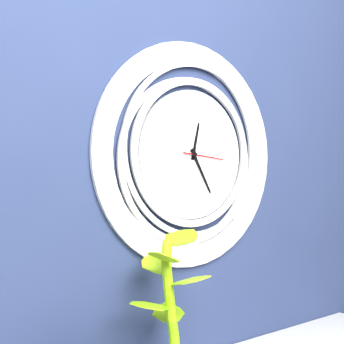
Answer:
12,25
